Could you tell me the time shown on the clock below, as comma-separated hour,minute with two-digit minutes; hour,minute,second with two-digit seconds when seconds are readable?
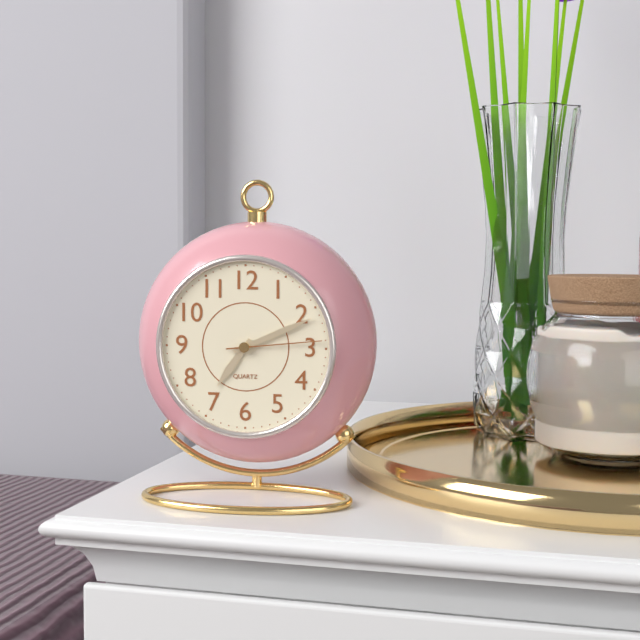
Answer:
7,11,14
